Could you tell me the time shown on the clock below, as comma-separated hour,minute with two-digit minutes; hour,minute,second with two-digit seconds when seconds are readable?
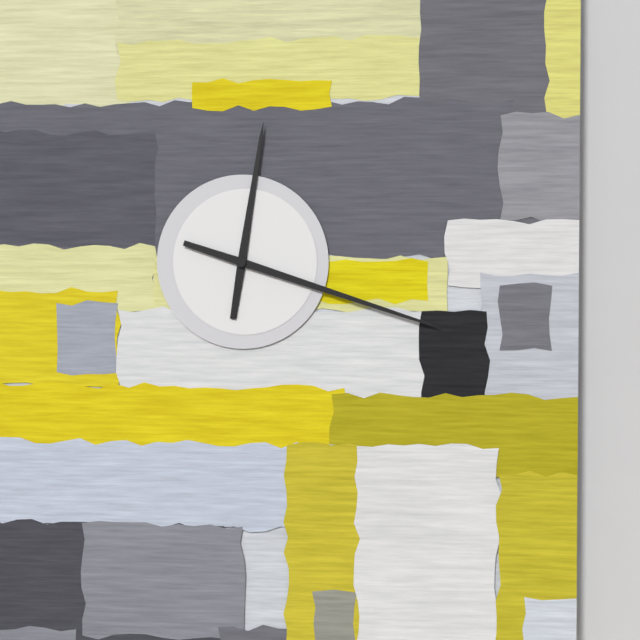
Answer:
12,18
